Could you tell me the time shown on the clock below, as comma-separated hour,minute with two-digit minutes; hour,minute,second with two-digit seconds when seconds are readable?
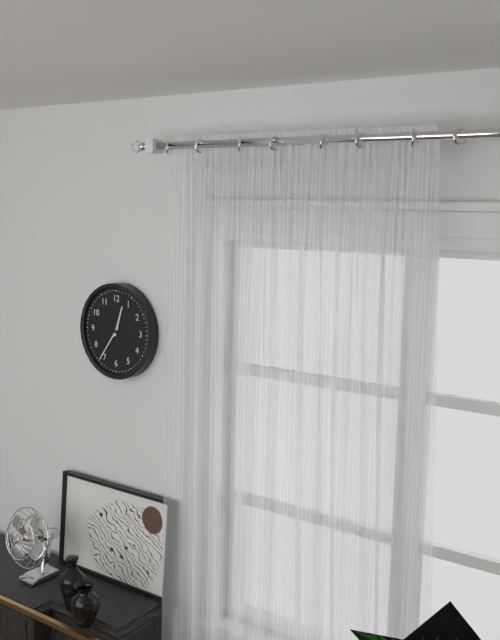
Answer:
12,36
